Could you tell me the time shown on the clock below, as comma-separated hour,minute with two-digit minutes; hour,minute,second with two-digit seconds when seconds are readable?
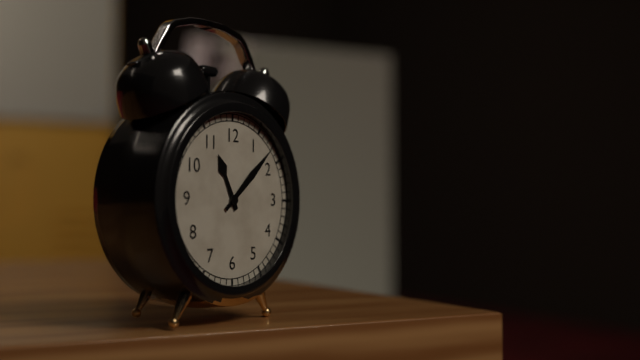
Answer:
11,08
